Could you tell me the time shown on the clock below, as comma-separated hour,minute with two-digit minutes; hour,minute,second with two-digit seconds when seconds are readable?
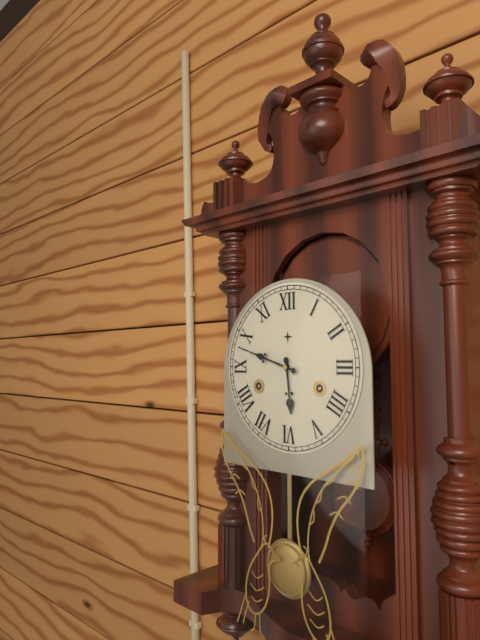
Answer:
5,48
